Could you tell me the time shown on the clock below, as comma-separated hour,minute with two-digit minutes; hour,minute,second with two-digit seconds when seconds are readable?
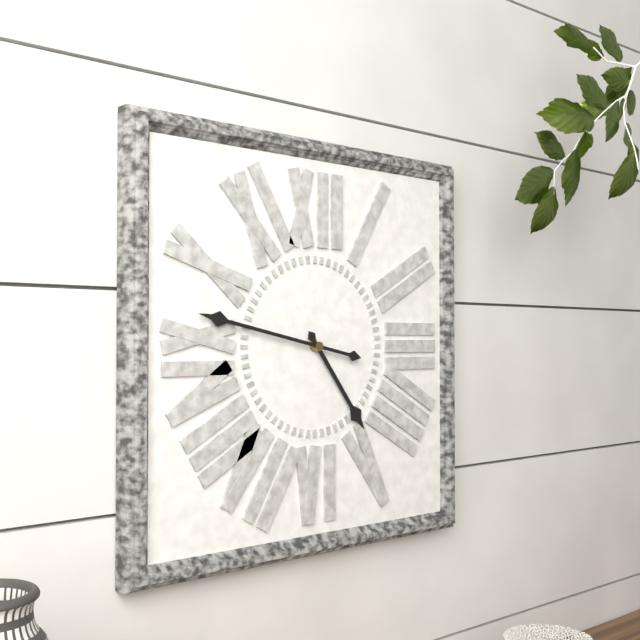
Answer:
4,47
